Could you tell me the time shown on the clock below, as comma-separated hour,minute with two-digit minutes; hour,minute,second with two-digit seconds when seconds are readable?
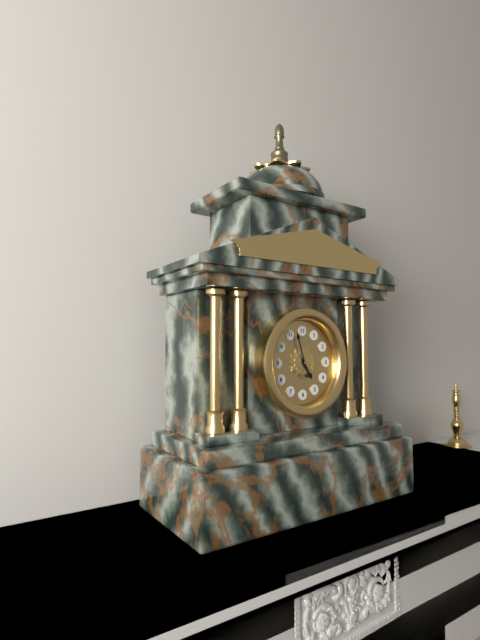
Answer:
4,57
